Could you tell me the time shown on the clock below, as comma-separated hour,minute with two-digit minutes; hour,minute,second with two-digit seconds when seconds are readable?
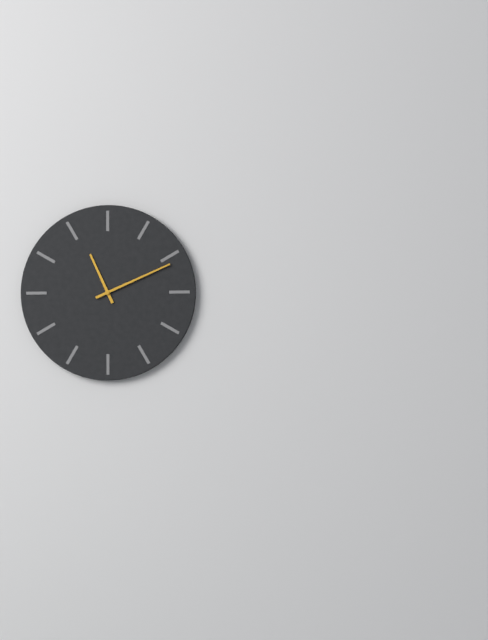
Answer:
11,11
